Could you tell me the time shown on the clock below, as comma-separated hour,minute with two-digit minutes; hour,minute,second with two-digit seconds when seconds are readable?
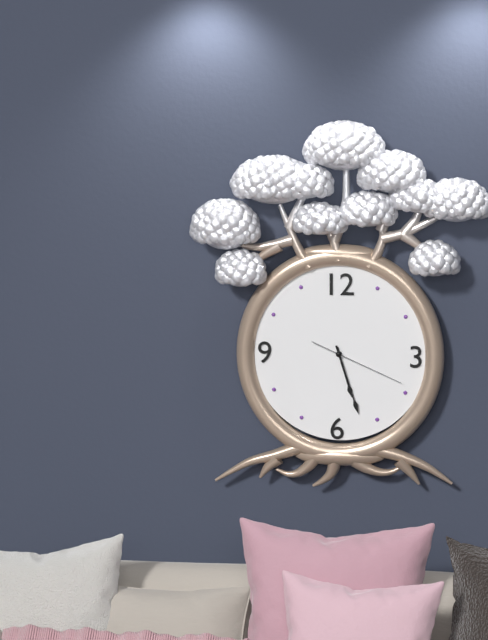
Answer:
5,27,19
